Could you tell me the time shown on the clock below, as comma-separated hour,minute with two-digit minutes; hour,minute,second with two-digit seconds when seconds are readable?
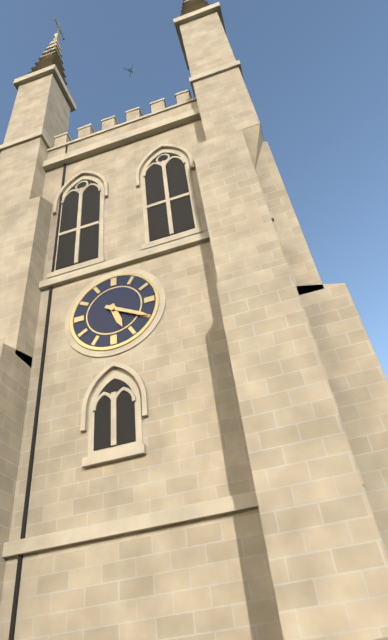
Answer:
5,20
